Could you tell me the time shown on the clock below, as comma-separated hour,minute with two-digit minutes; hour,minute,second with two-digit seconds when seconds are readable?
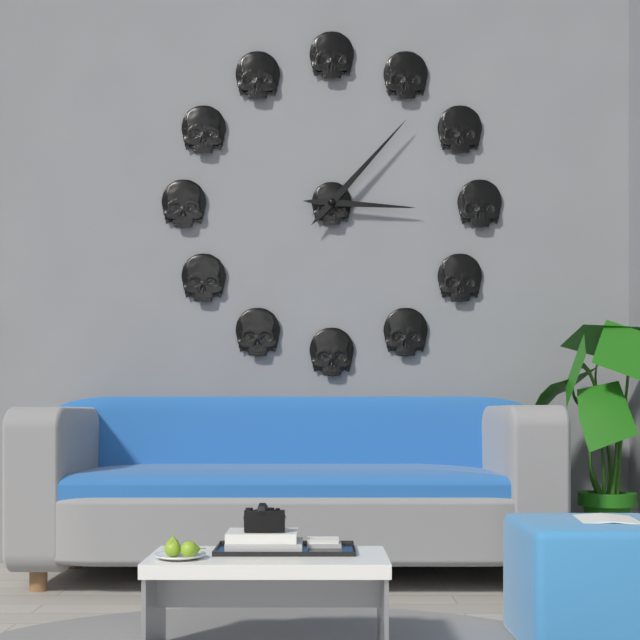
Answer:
3,07
